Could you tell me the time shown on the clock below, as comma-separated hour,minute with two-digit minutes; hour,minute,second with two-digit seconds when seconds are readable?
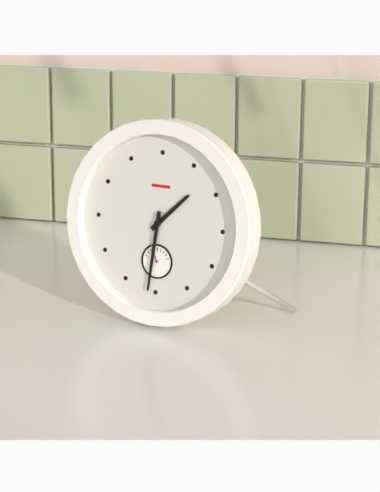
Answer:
1,31
